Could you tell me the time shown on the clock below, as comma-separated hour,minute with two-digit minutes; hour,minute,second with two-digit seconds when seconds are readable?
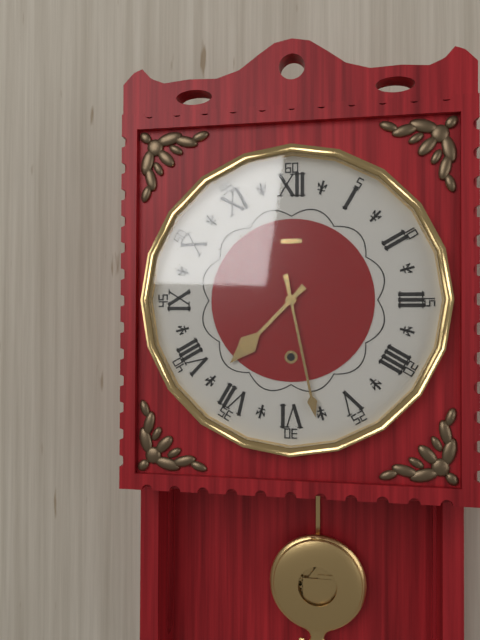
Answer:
7,28
